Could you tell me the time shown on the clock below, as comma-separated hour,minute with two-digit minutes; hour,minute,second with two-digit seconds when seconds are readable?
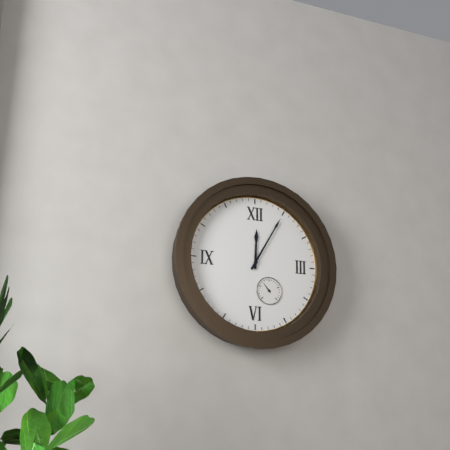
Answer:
12,05
